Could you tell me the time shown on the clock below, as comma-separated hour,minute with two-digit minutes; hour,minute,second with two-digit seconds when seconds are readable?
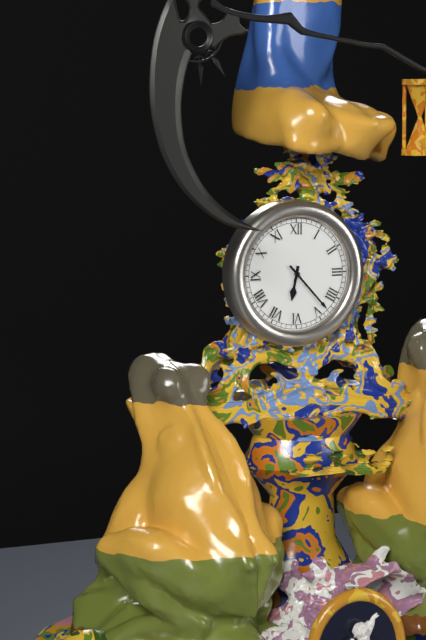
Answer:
6,23
